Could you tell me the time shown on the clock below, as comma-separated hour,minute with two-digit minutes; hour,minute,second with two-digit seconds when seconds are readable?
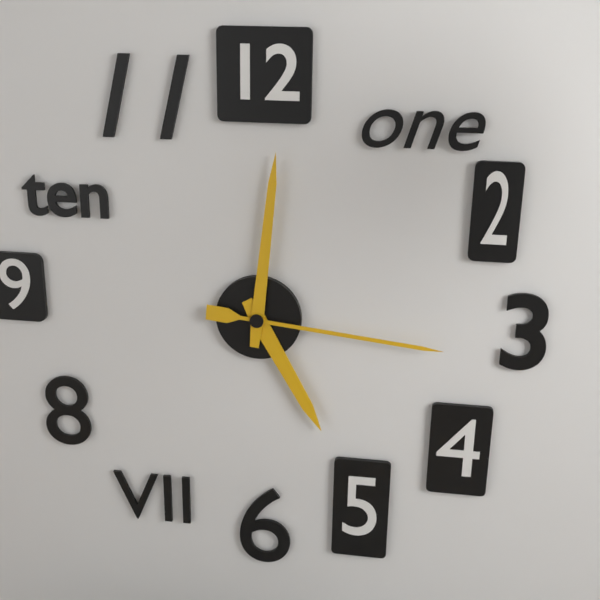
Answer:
5,01,16
